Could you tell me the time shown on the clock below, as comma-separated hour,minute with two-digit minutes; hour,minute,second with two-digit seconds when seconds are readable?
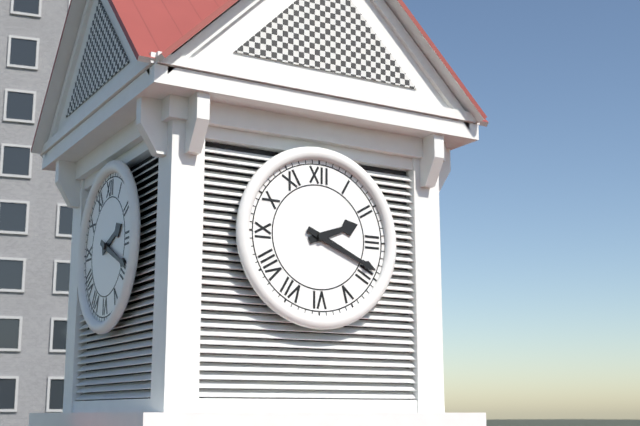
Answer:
2,19
